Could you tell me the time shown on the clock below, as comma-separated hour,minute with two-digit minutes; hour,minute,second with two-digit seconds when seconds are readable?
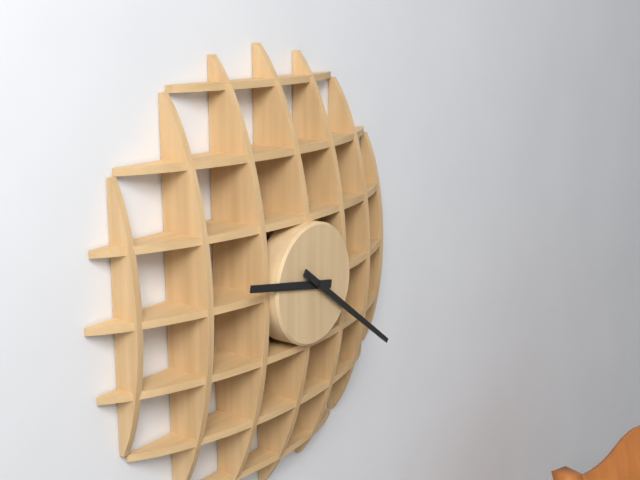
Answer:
9,21
